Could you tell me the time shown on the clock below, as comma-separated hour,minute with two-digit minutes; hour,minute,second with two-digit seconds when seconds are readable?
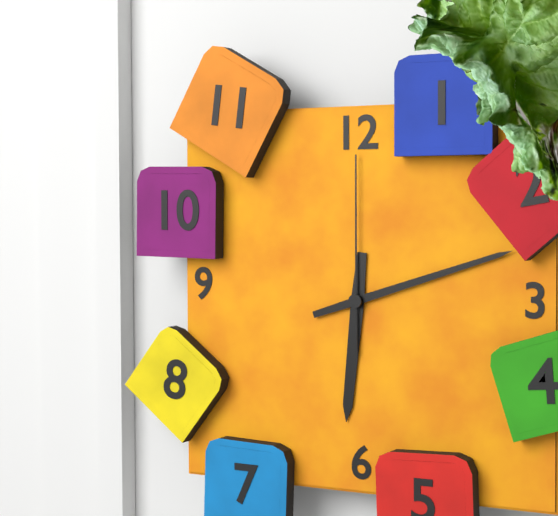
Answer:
6,12,00
